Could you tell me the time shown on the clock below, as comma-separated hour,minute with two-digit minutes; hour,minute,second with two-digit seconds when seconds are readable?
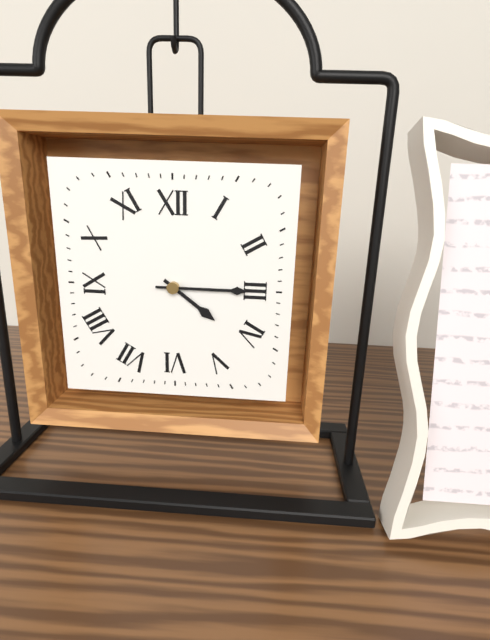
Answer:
4,15
